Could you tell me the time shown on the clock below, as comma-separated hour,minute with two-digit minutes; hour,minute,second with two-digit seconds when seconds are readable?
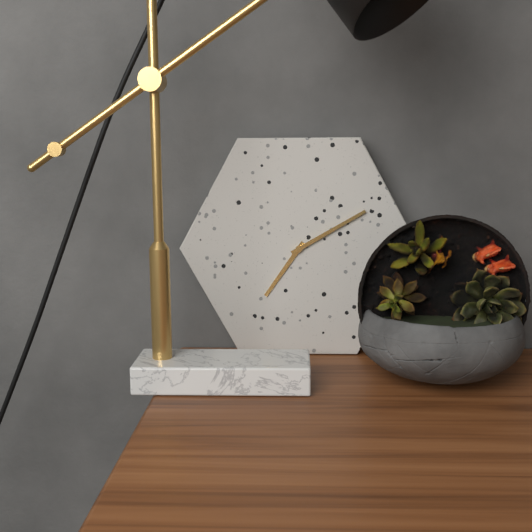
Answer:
7,10
